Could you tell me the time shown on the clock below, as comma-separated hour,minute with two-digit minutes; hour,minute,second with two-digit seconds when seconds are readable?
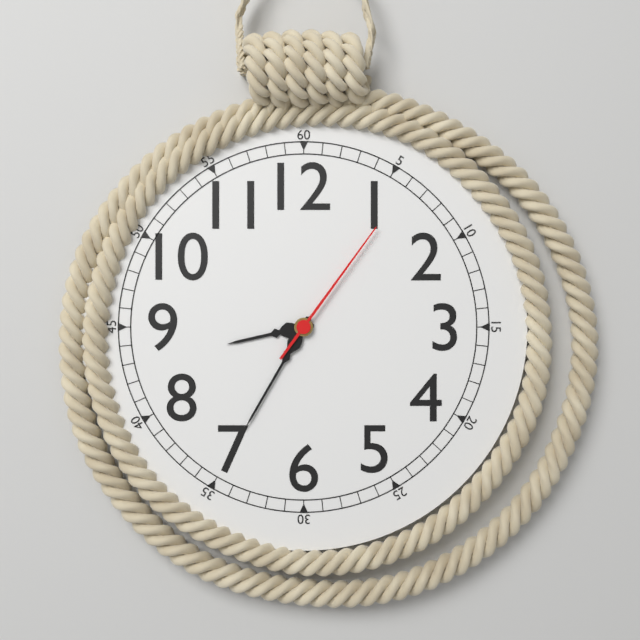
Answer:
8,35,06
